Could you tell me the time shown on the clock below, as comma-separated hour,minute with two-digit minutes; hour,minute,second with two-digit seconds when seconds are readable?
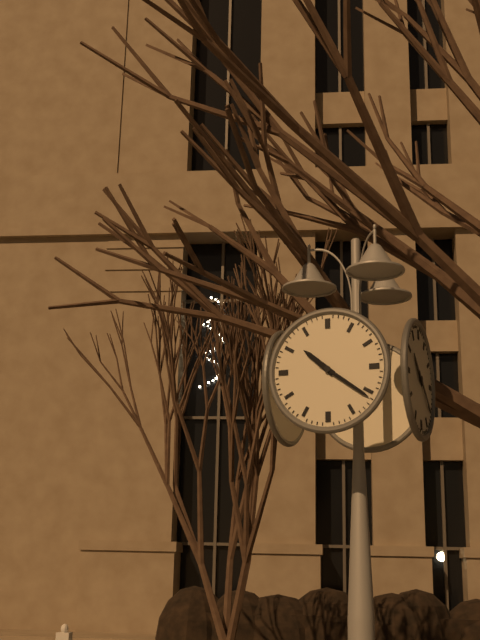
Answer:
10,21
